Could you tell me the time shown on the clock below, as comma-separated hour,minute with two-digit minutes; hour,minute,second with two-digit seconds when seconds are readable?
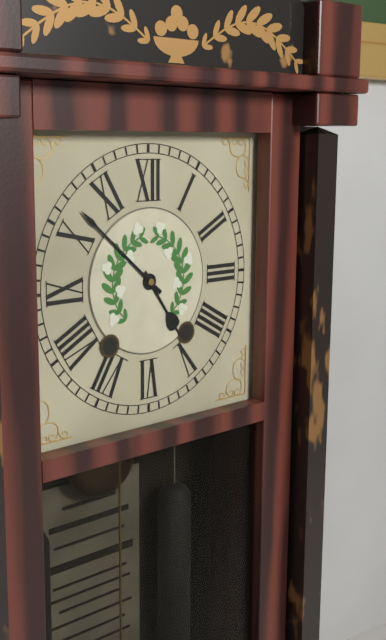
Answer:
4,52
